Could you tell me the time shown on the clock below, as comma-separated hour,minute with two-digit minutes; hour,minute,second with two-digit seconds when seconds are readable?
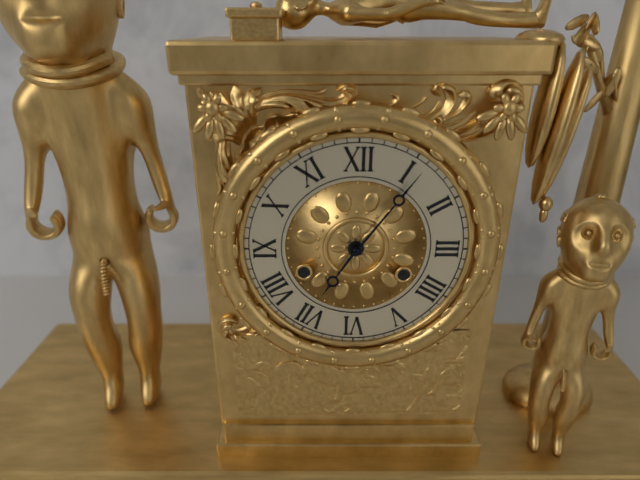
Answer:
7,06
